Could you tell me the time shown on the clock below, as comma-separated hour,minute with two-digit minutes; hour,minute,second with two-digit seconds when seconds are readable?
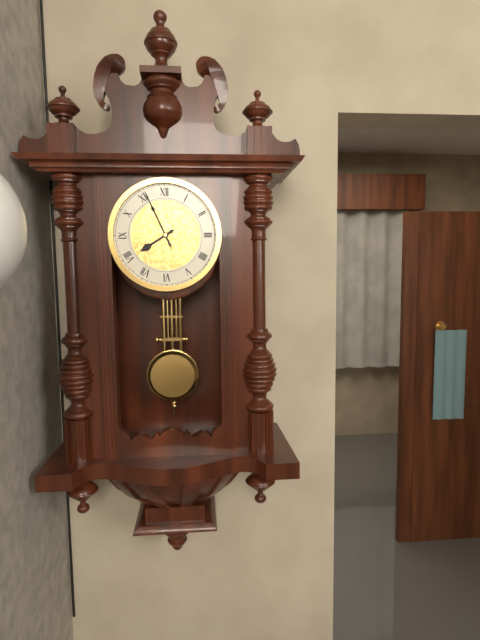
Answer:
7,56
